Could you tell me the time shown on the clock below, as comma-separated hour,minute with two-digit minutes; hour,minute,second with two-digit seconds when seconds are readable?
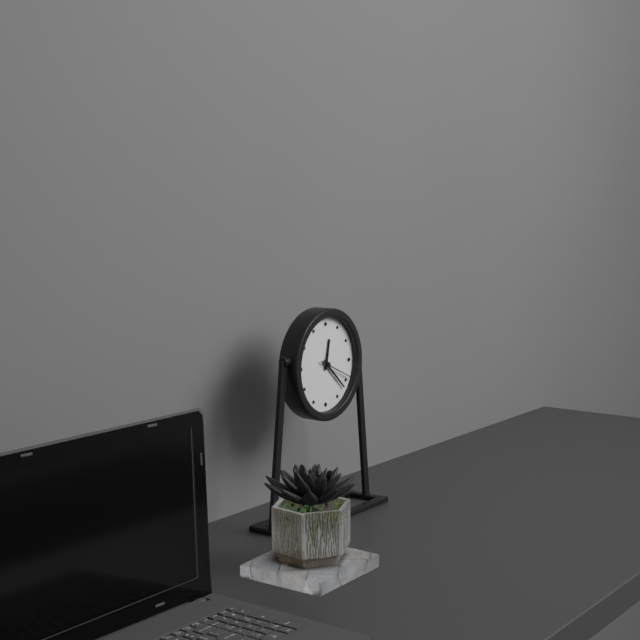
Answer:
12,22
